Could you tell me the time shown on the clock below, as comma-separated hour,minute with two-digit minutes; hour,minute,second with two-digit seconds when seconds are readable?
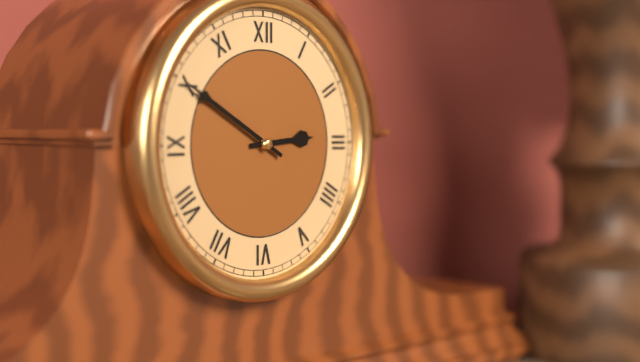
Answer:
2,50
